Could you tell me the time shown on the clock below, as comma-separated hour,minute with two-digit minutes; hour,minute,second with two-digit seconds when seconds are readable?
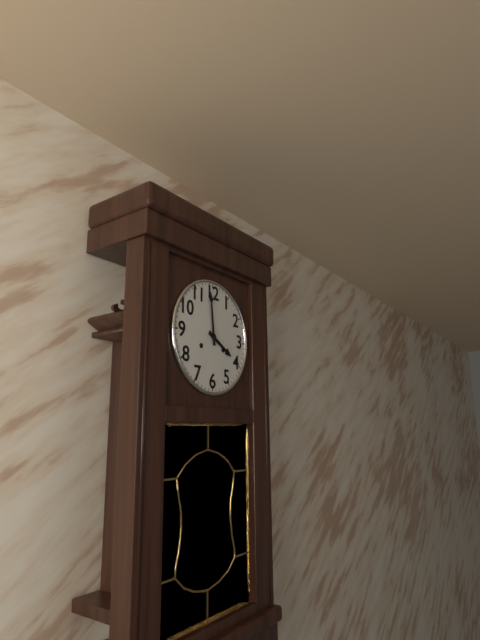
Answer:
3,59
